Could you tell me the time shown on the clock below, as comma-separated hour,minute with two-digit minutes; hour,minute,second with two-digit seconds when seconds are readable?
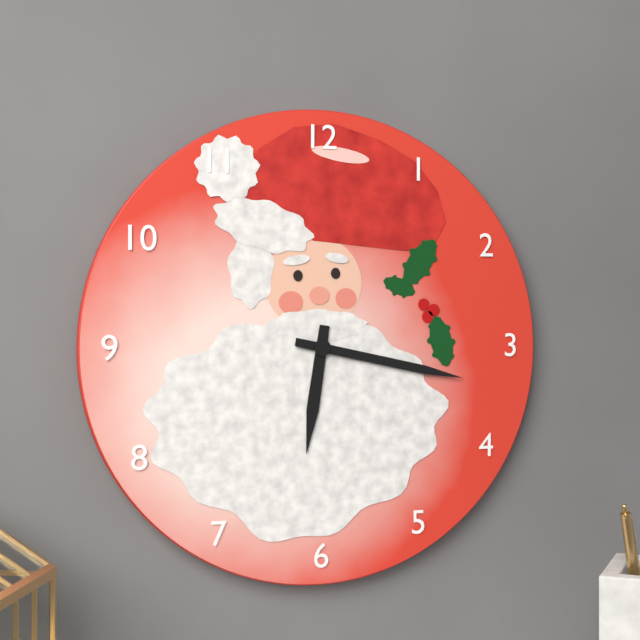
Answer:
6,17
